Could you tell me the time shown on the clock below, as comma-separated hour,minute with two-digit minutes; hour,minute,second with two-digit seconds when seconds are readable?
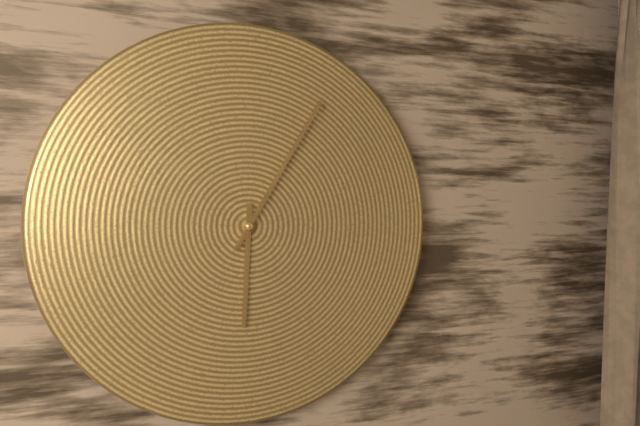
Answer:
6,05
